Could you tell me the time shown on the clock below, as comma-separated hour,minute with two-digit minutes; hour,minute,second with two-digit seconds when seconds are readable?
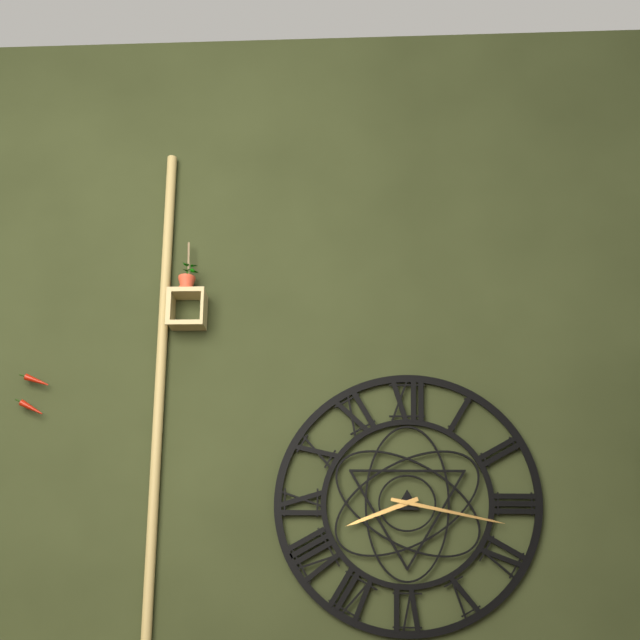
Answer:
8,17
